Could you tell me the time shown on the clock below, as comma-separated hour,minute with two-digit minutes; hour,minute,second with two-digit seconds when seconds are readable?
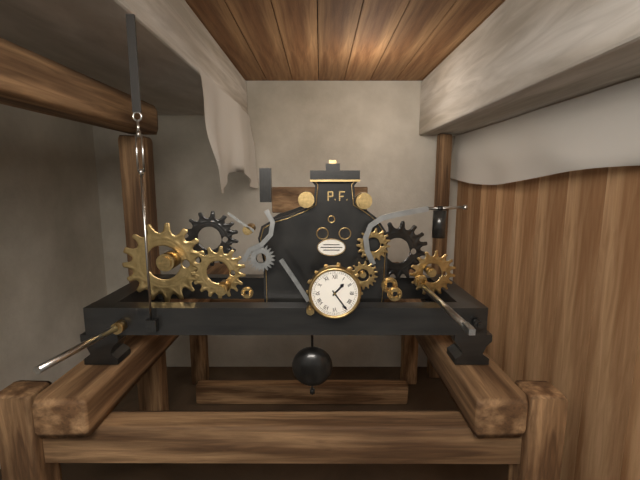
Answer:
1,24
